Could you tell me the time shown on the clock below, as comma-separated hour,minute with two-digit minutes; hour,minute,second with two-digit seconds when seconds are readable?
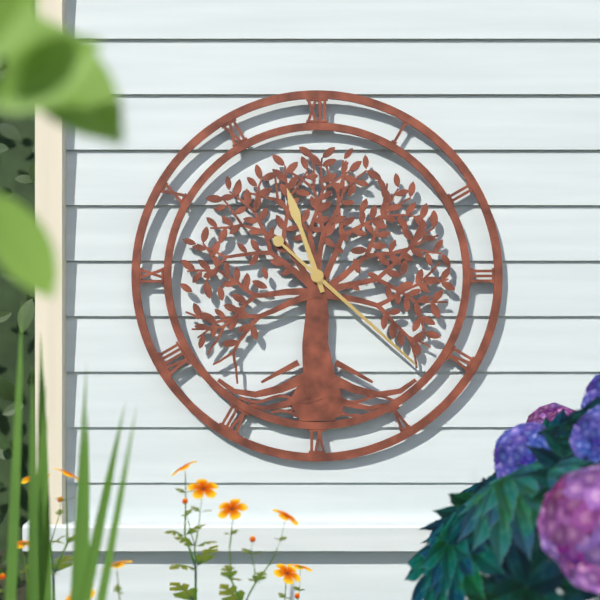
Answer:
11,22
